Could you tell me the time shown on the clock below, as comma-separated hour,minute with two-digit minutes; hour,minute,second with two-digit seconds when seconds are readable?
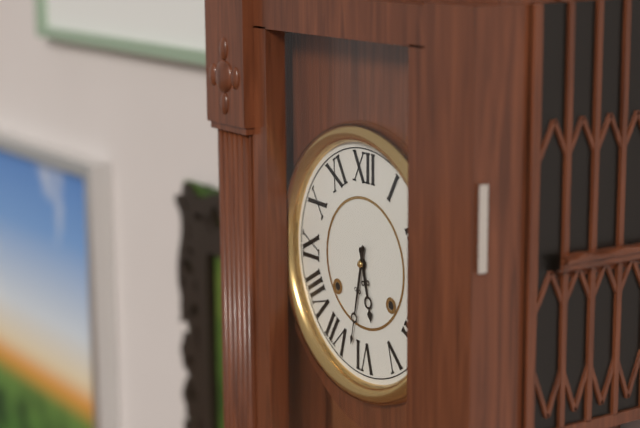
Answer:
5,32
